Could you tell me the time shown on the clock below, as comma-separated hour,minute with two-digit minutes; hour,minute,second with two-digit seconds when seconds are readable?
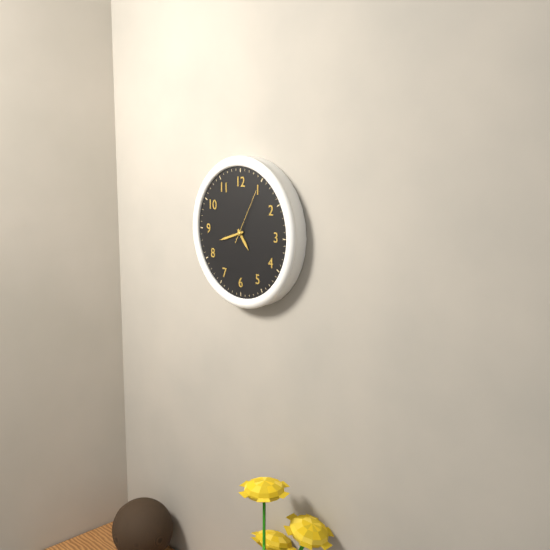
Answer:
4,42,05
